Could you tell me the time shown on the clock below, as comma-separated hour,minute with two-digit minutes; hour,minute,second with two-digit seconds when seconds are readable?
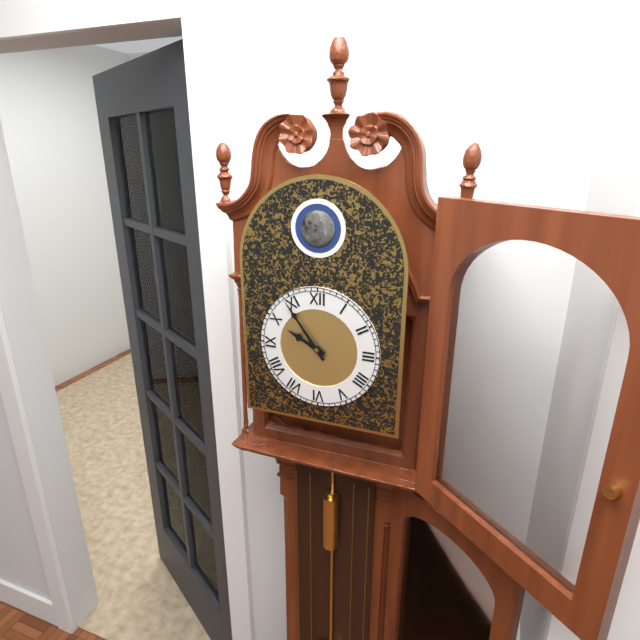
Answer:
9,54
